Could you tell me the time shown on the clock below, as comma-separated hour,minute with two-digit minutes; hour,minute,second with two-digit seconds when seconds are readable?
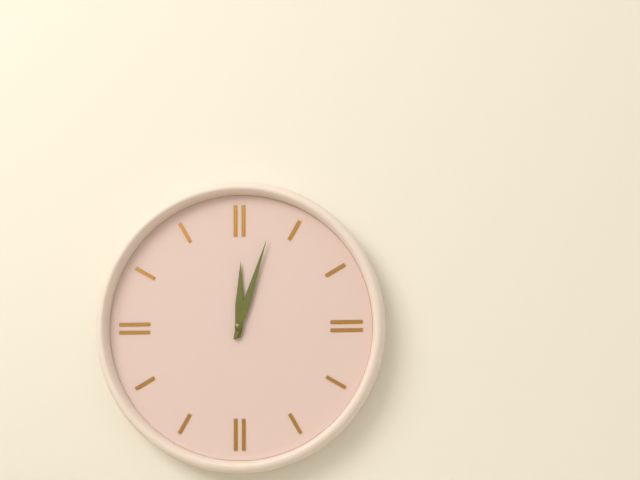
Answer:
12,03
